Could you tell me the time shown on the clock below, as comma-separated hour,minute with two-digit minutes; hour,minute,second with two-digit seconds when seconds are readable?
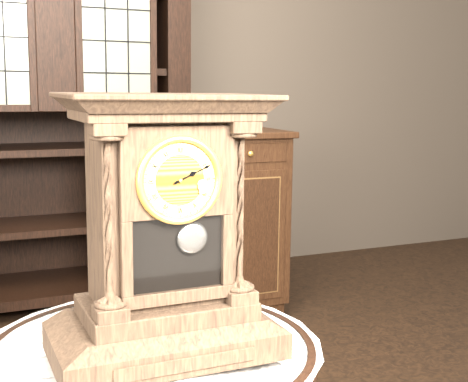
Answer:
2,11
